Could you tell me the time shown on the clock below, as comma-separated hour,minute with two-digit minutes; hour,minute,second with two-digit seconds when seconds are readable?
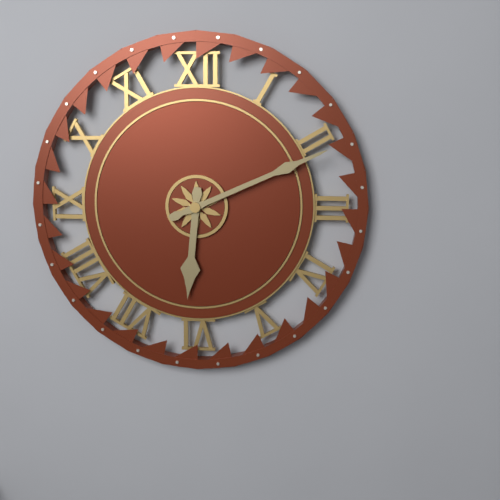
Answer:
6,11
